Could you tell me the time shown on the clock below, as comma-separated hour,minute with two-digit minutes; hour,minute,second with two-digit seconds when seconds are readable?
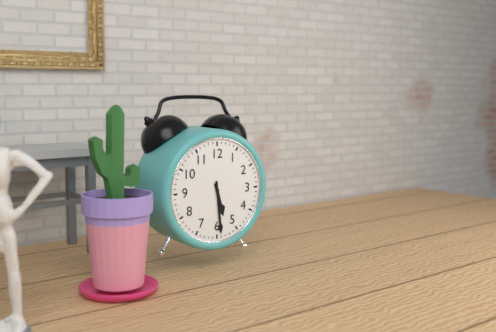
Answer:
5,29
